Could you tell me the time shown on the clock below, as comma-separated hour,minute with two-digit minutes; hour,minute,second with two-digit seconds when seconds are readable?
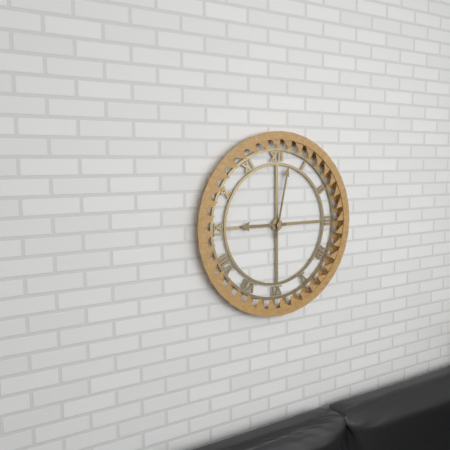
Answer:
9,02
